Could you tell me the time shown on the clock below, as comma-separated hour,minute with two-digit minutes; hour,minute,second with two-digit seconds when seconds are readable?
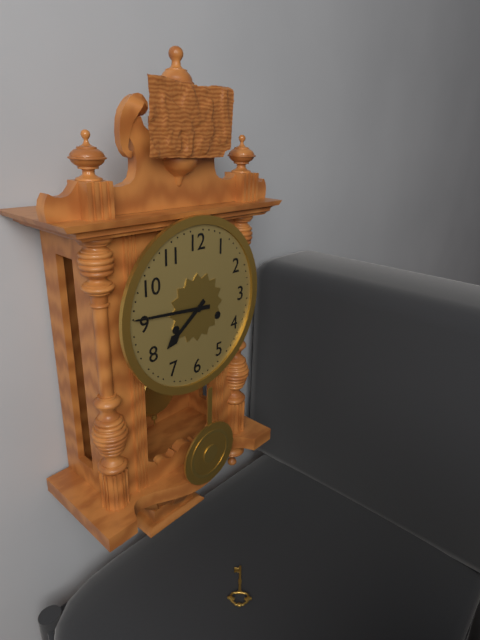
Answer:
7,46
